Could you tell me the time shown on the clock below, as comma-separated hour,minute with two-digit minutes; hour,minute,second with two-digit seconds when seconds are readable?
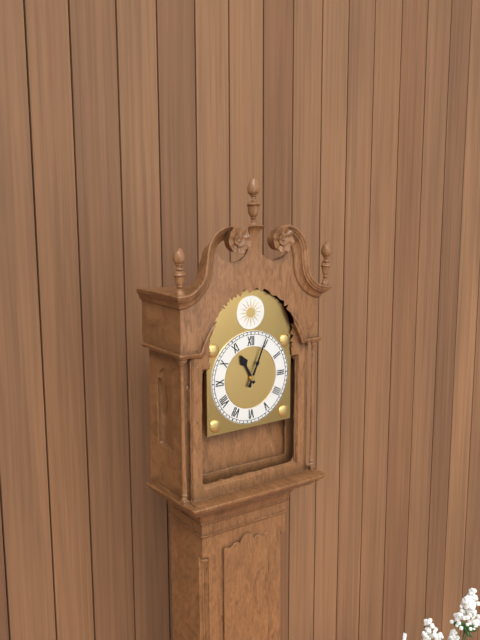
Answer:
11,04
